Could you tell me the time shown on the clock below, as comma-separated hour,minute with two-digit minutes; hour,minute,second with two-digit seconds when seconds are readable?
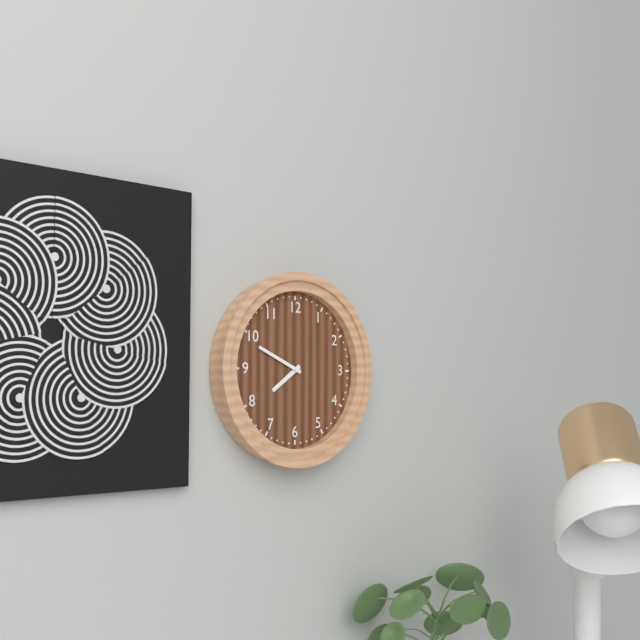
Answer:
7,49
